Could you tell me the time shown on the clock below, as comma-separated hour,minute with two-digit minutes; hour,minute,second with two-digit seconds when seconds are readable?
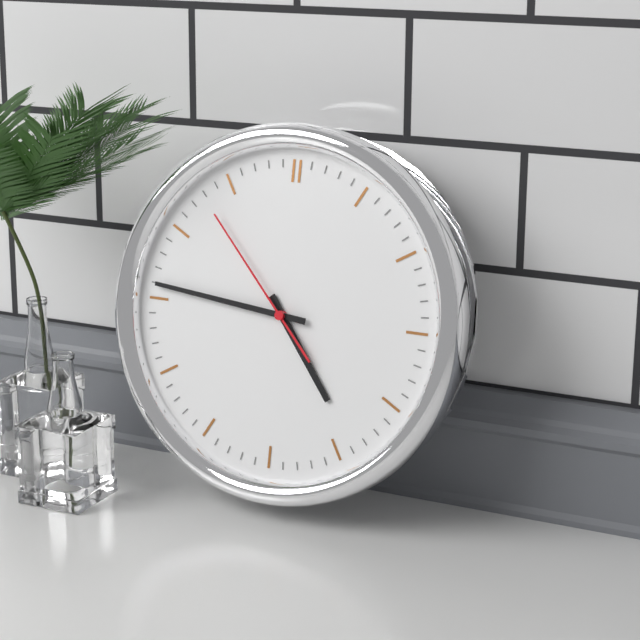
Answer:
4,46,53
